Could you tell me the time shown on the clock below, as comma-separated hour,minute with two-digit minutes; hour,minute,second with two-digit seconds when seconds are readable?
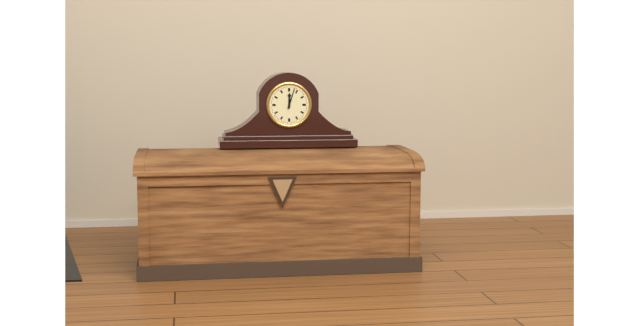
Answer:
12,03
